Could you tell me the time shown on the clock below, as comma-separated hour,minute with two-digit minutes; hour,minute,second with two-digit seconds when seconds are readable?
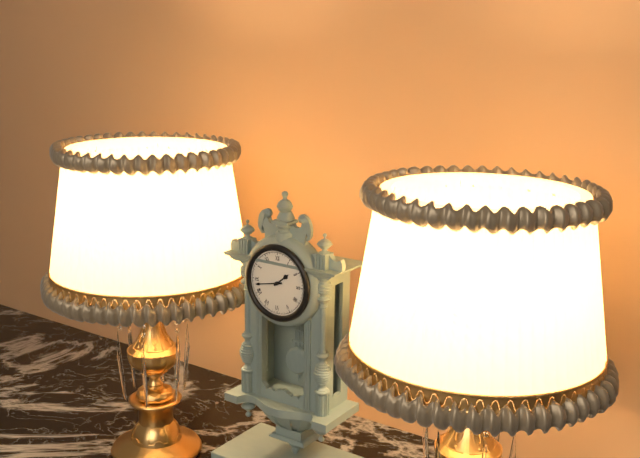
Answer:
1,43
